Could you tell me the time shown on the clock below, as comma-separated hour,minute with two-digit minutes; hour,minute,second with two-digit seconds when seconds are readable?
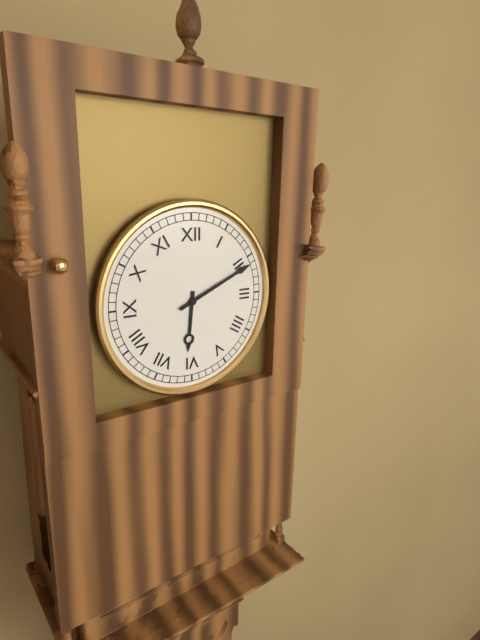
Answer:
6,11
